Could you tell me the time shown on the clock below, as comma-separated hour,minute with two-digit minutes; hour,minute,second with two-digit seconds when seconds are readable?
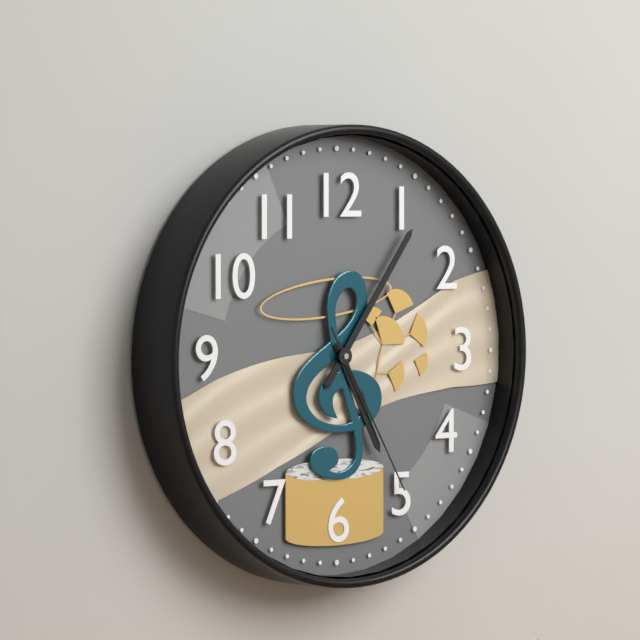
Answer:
5,06,25
